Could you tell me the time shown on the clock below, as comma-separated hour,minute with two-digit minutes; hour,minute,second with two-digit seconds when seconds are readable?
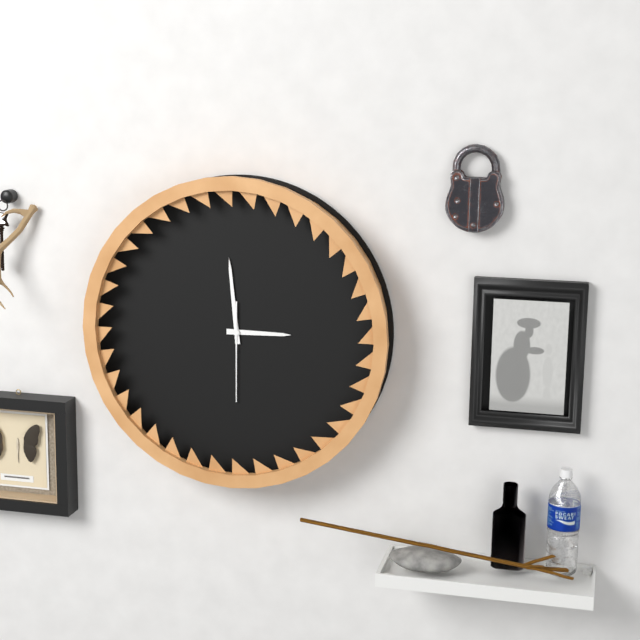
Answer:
2,59,30
